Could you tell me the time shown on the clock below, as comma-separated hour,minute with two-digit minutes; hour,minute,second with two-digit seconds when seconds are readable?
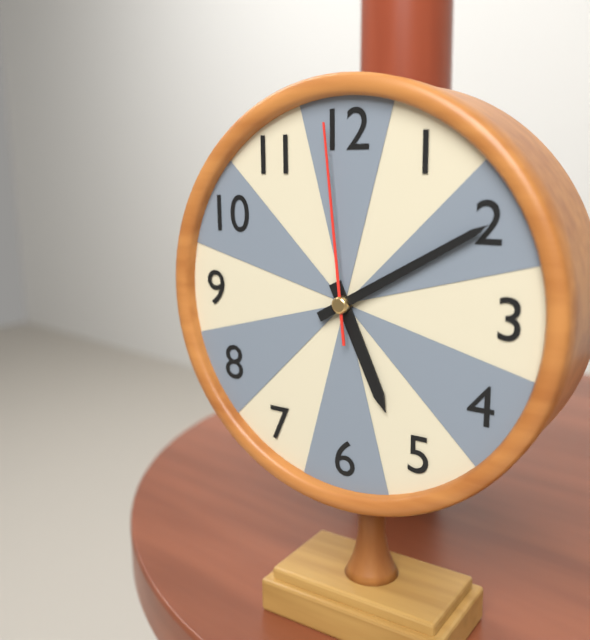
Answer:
5,10,59
